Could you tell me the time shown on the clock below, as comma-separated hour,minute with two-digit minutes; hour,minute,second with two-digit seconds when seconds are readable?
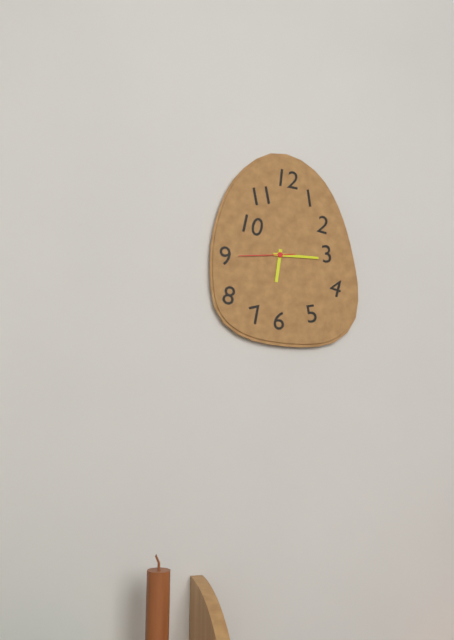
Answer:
6,15,44
